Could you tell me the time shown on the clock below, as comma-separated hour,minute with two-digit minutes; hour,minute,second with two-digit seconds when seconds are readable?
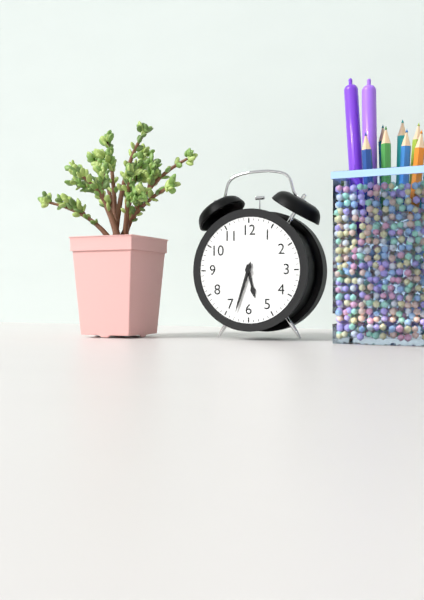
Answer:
5,33
